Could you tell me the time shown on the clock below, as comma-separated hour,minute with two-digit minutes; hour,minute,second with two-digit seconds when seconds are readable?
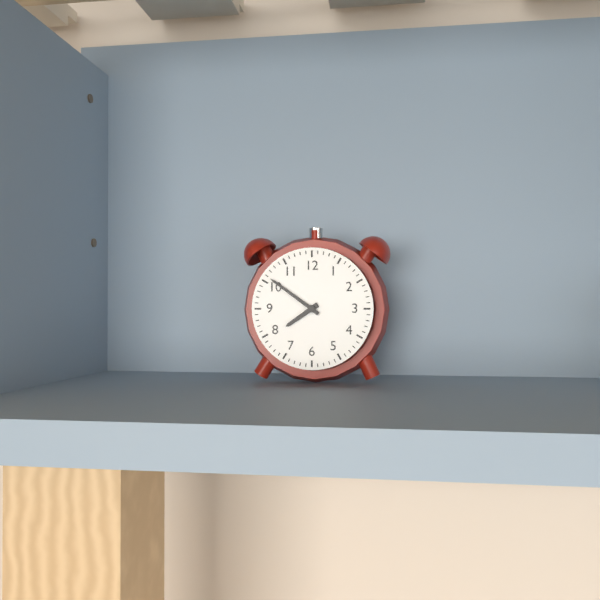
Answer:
7,51
